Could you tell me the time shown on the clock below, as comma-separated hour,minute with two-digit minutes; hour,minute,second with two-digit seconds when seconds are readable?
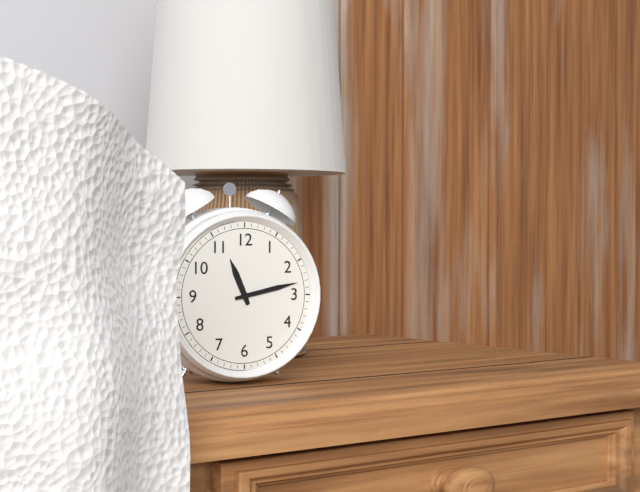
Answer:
11,13
